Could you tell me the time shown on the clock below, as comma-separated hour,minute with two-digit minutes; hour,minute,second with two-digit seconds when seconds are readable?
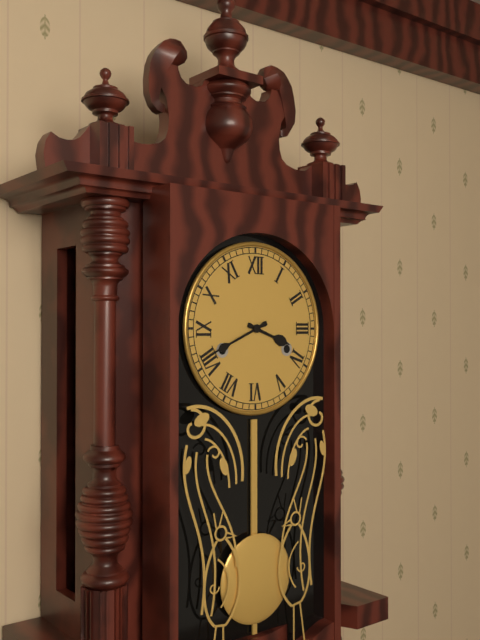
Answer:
3,41
